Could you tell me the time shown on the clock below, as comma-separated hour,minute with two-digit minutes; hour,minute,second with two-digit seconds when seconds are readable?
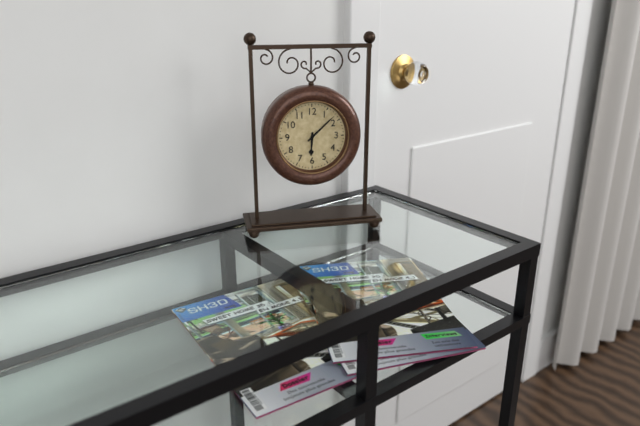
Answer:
6,08
